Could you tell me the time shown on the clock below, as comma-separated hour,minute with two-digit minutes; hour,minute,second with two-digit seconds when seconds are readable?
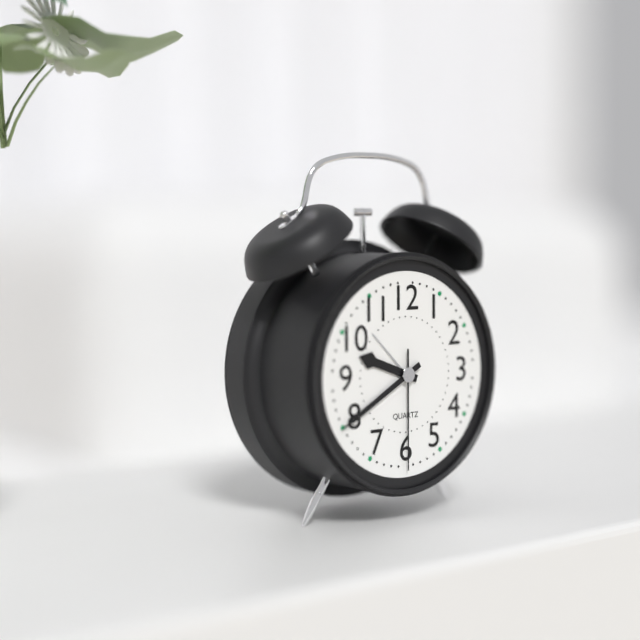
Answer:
9,40,30
